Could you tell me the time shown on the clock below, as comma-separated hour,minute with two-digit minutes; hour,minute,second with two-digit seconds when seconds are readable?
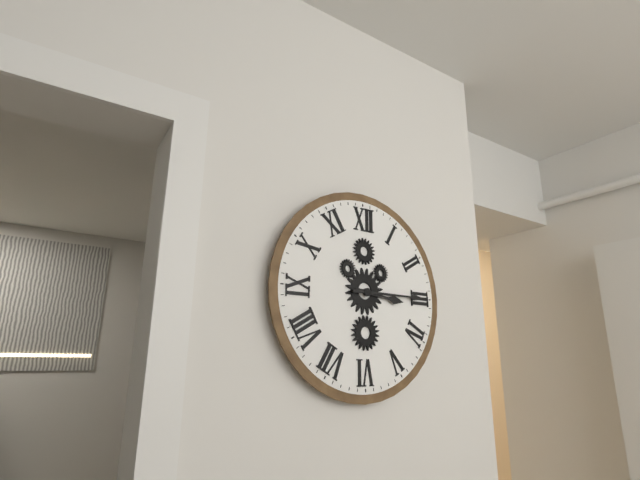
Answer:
3,15
